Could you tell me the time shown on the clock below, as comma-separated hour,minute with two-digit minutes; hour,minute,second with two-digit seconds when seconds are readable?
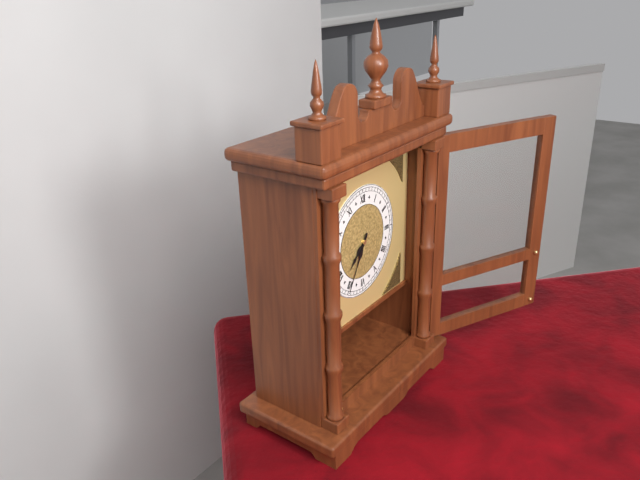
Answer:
7,35
